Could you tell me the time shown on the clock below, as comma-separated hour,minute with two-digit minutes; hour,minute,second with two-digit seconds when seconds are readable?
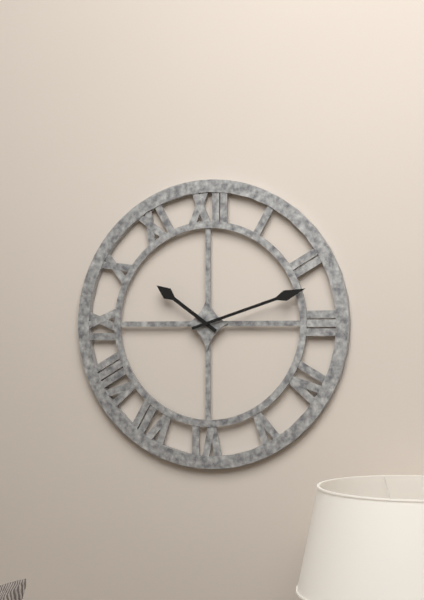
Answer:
10,12
